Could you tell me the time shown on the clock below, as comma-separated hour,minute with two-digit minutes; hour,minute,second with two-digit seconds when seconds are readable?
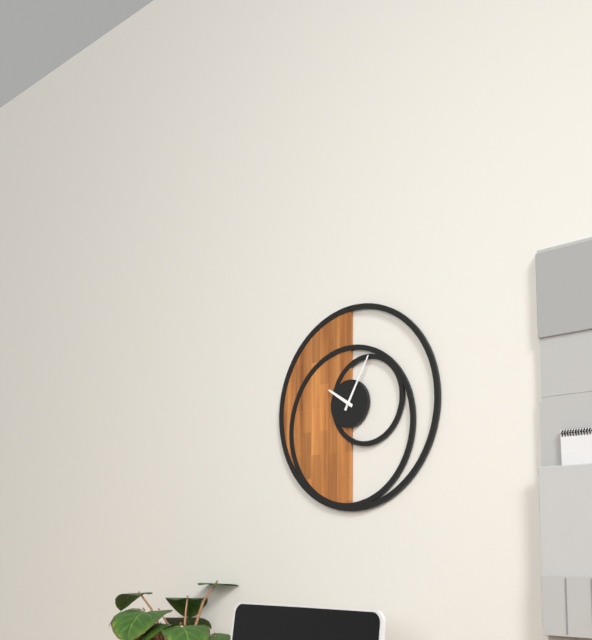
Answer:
10,05
